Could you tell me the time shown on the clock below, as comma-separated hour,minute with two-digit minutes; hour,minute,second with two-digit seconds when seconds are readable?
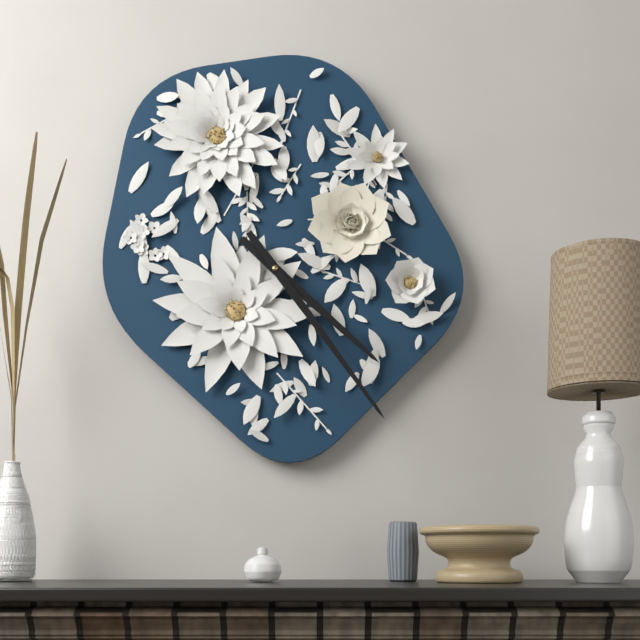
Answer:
4,24
